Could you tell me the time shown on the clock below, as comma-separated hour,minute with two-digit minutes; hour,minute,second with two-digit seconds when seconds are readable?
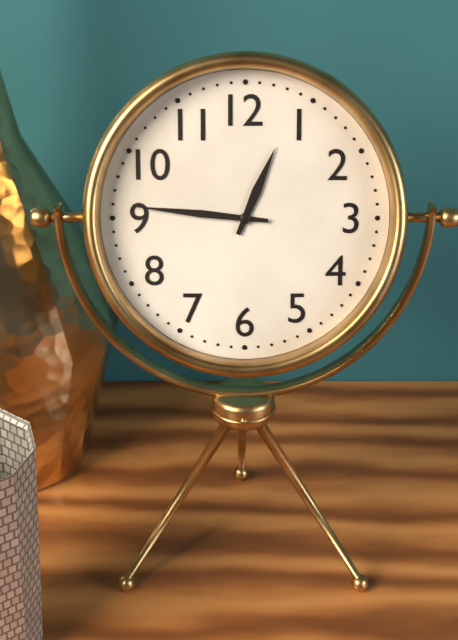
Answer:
12,46
